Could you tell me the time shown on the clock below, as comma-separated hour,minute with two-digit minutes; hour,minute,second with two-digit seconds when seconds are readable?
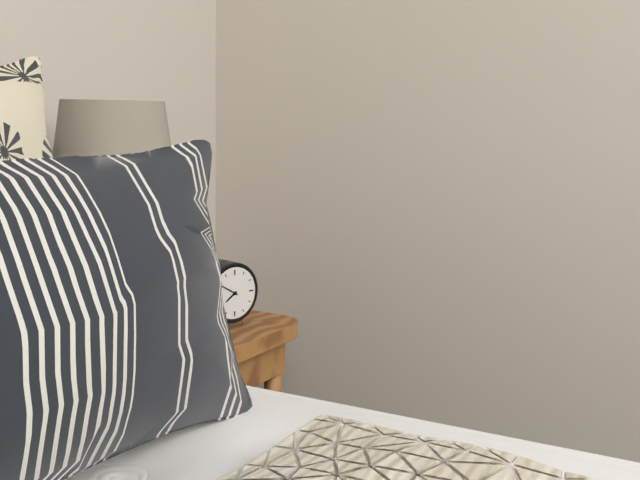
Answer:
7,50
